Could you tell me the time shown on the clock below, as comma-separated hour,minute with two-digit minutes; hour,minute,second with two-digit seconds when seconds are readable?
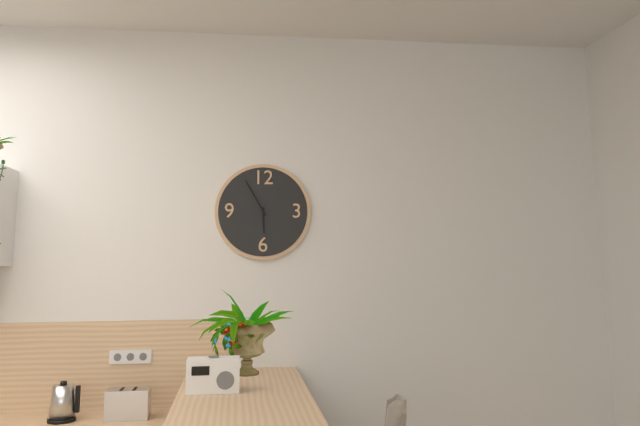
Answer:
5,55
